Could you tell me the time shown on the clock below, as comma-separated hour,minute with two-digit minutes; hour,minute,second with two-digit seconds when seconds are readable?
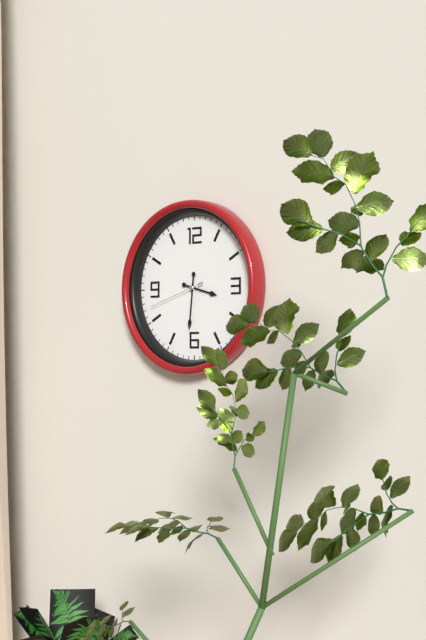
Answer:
3,31,42
